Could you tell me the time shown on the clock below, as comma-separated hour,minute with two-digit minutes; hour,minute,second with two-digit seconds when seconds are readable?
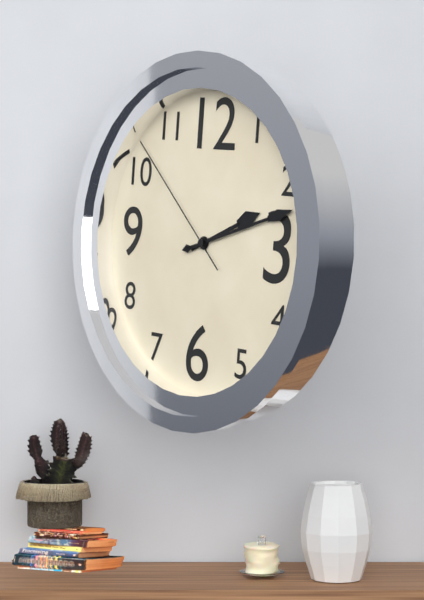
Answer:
2,12,52
